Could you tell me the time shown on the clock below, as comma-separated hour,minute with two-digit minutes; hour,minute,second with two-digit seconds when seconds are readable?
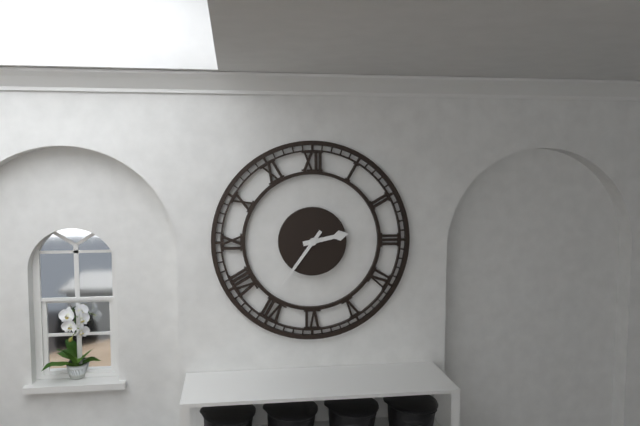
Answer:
2,36
